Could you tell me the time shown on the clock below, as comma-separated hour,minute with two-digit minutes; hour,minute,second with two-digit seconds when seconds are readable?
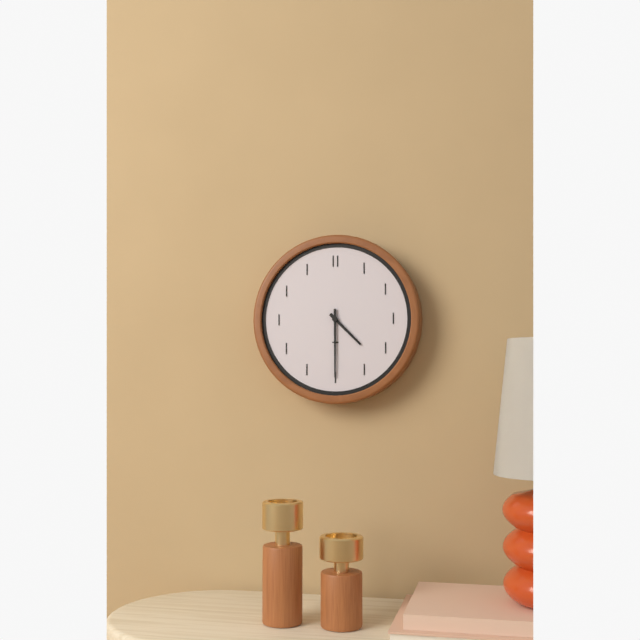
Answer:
4,30
